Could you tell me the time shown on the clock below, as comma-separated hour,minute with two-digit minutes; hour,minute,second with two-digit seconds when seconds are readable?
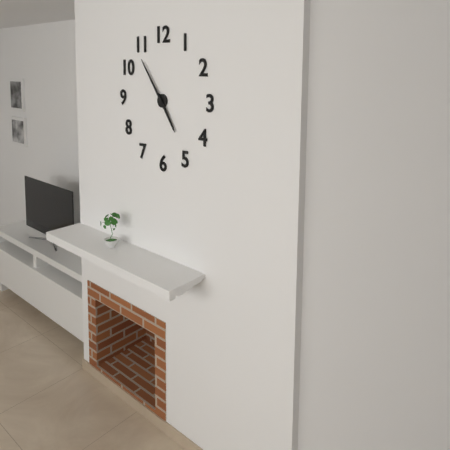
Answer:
4,54
